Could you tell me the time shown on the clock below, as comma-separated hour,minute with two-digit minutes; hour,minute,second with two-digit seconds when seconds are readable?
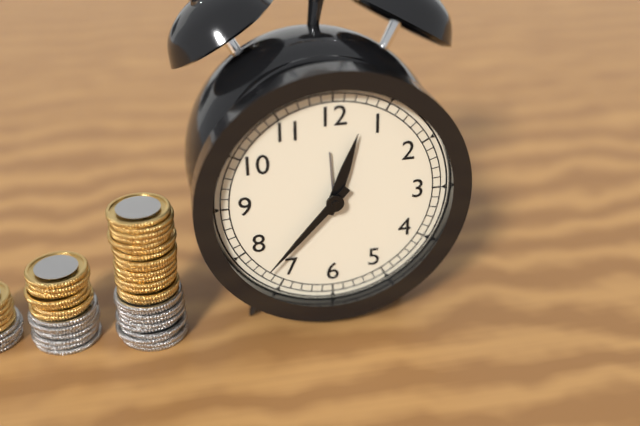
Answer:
12,37
